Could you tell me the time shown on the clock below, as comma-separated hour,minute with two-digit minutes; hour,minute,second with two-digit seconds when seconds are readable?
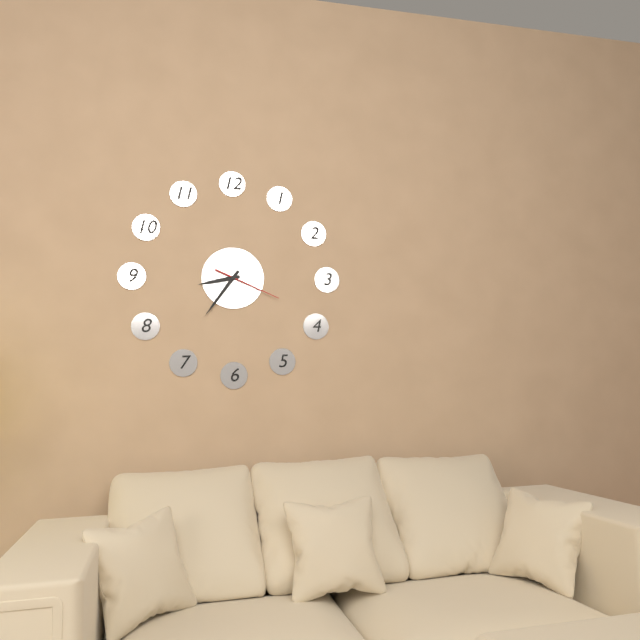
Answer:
8,36,19
